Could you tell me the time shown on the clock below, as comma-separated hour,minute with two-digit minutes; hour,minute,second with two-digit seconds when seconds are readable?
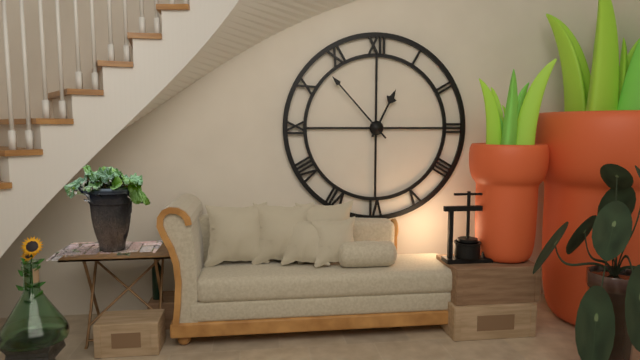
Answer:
12,53
